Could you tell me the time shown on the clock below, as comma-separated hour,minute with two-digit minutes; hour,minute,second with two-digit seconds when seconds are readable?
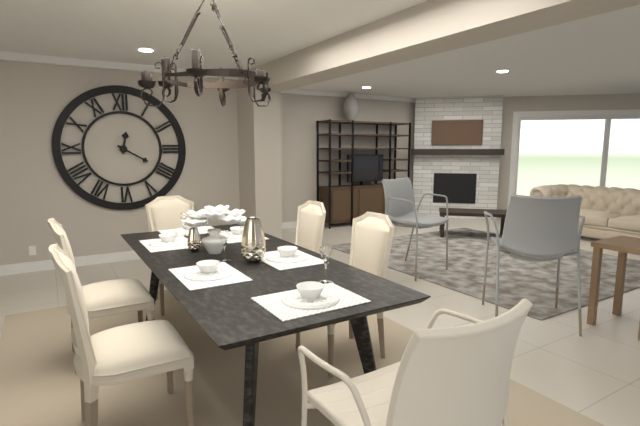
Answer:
12,20
